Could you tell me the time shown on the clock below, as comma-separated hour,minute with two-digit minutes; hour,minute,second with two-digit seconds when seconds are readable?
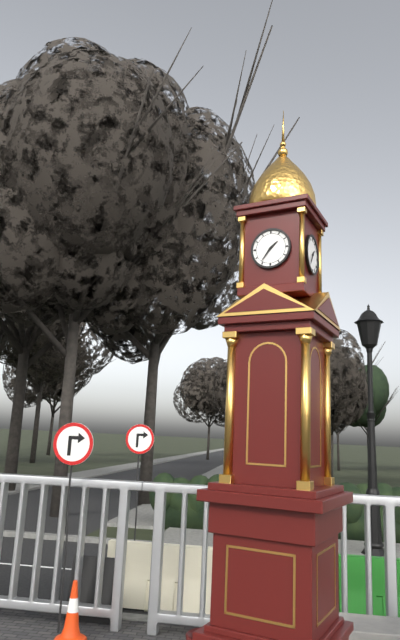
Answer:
1,36
